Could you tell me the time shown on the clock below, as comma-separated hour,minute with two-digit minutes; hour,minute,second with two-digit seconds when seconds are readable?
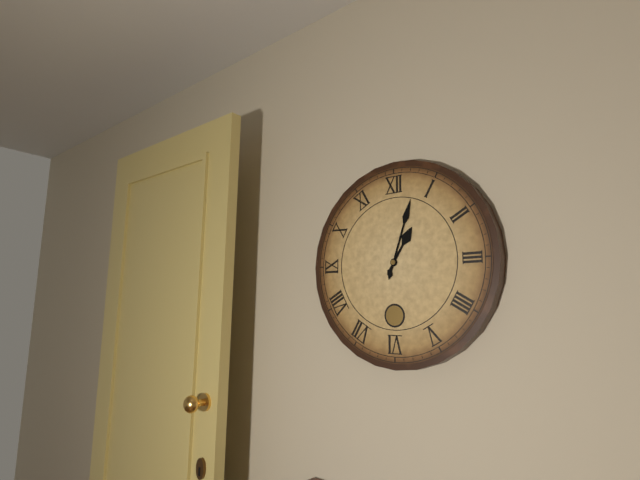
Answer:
1,03
